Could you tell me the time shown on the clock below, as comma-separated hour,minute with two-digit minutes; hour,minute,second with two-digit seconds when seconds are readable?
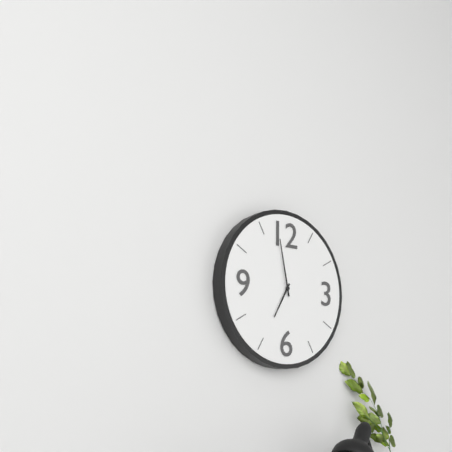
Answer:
6,58
